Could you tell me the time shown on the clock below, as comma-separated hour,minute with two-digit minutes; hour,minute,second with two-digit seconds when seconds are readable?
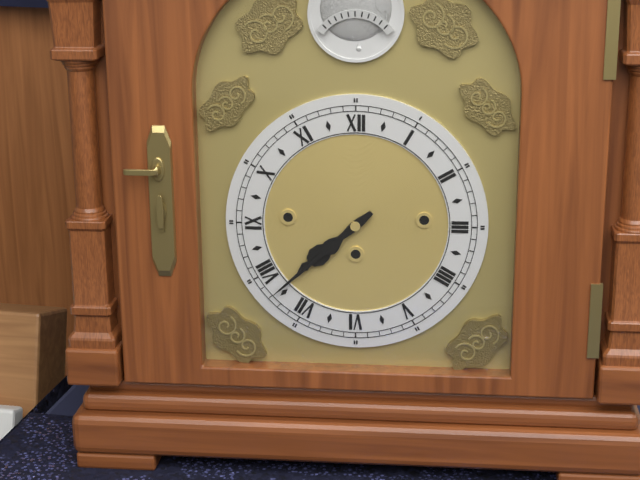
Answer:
7,38
